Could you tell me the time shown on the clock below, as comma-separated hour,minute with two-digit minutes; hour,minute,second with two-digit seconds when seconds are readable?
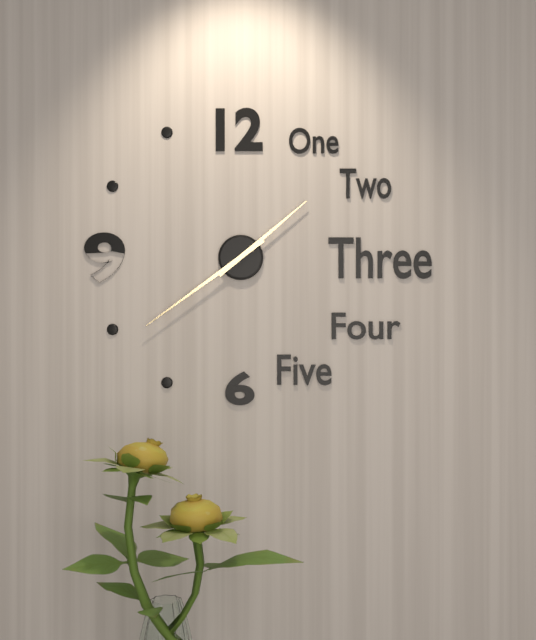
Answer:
1,39
